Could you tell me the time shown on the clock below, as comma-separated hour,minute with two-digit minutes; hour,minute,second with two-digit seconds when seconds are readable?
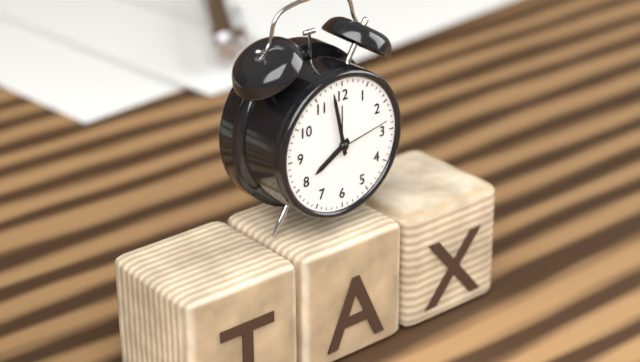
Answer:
7,58,13
